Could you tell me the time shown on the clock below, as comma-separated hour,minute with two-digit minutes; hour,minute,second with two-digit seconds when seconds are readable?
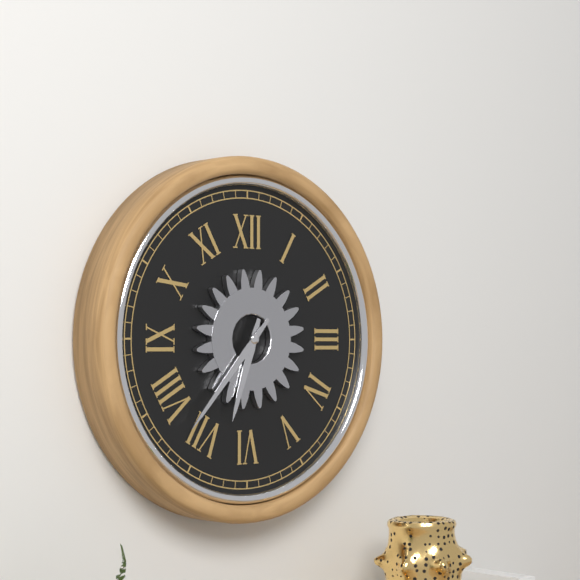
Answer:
6,37
